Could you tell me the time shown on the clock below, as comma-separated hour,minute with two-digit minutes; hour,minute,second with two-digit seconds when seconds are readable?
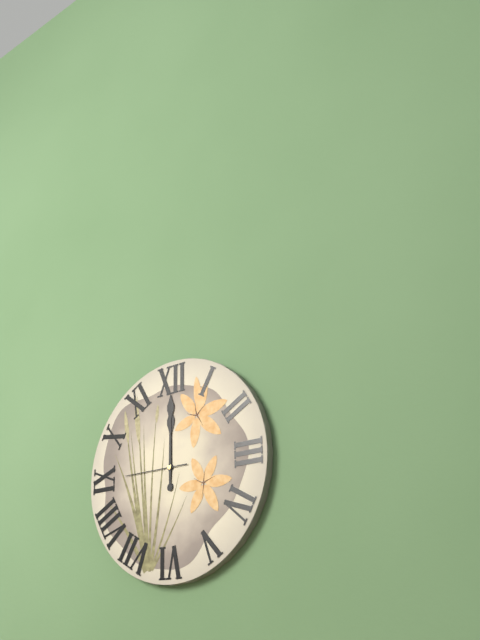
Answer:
12,00,45
